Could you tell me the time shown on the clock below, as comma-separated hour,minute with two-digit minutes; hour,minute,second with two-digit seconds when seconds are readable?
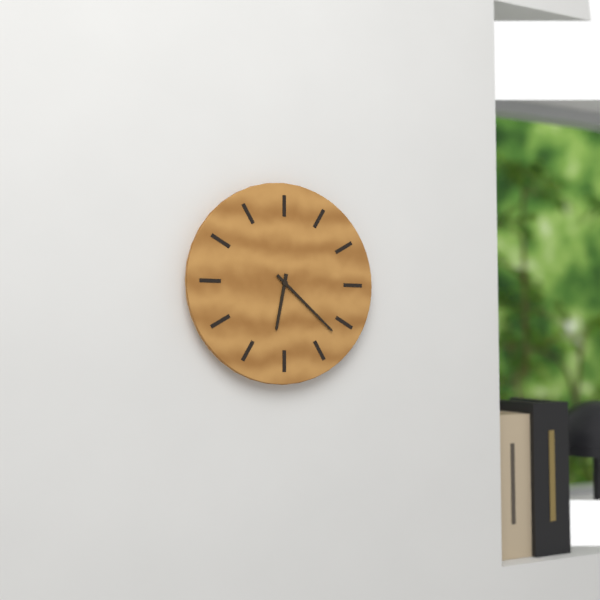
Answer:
6,22
